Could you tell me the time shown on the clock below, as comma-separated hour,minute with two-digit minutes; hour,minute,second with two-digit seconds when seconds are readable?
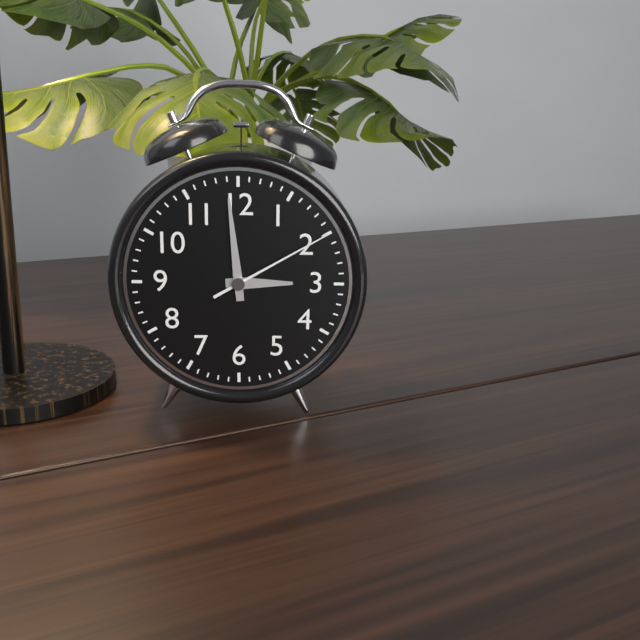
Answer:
2,59,10
